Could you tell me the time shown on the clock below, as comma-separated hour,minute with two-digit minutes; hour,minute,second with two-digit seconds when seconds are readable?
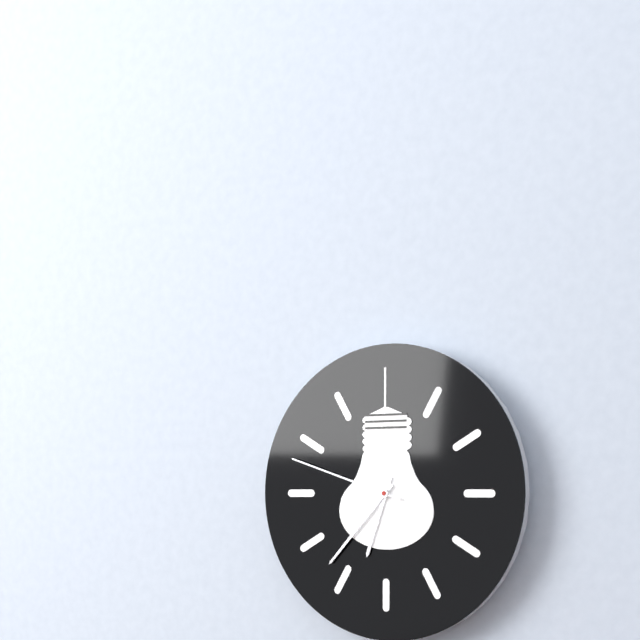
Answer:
6,37,48
